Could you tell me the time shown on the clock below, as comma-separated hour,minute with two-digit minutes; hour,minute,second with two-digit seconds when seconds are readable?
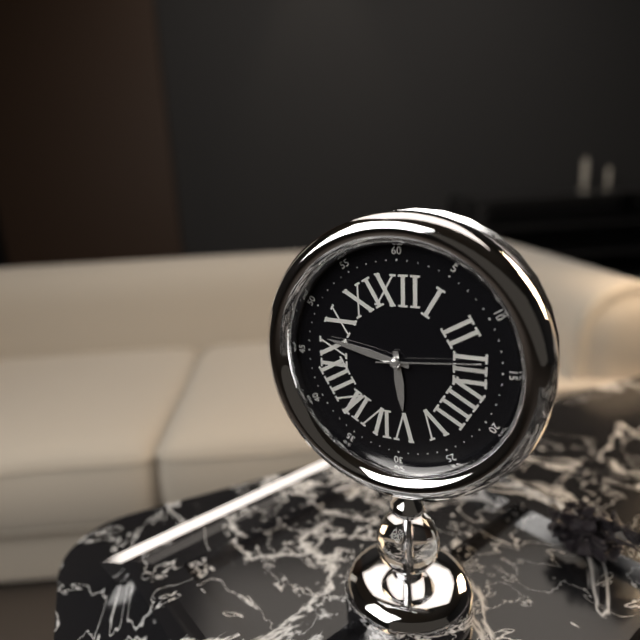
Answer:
5,47,14
